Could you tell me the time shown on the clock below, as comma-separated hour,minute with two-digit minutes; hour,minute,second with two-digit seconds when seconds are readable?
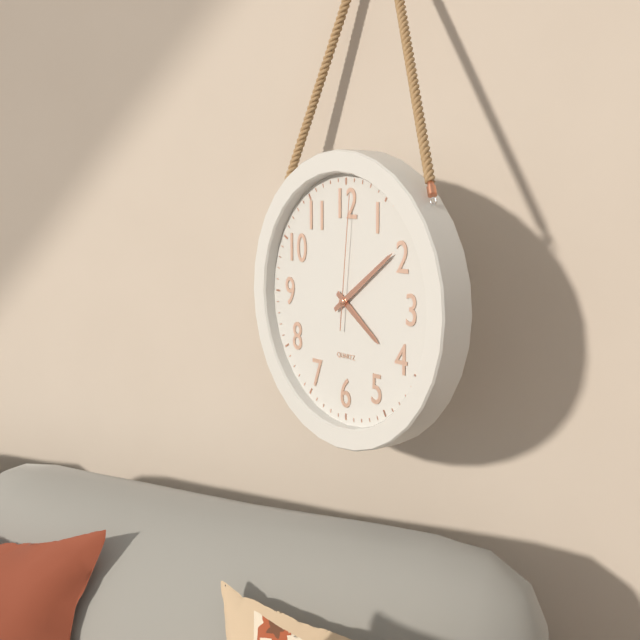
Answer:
4,09,01
